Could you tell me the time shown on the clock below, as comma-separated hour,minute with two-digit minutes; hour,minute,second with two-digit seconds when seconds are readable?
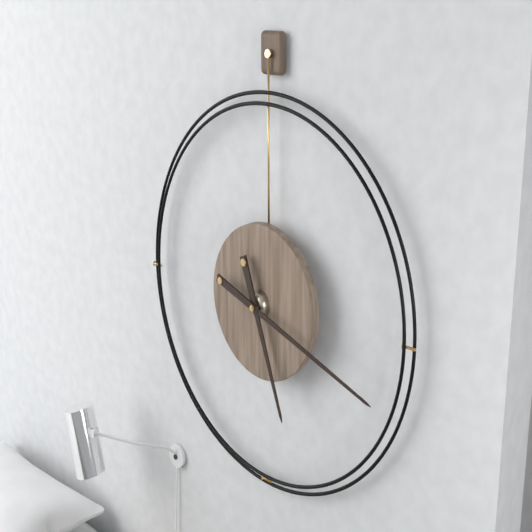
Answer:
5,18
